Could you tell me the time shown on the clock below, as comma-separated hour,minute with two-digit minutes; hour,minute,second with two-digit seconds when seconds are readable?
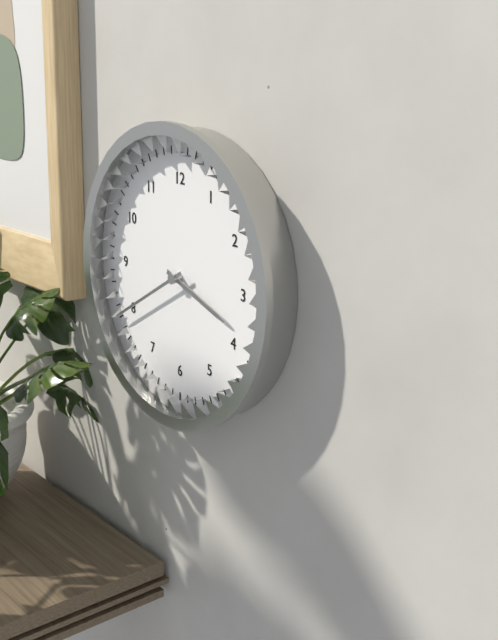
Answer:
3,40
